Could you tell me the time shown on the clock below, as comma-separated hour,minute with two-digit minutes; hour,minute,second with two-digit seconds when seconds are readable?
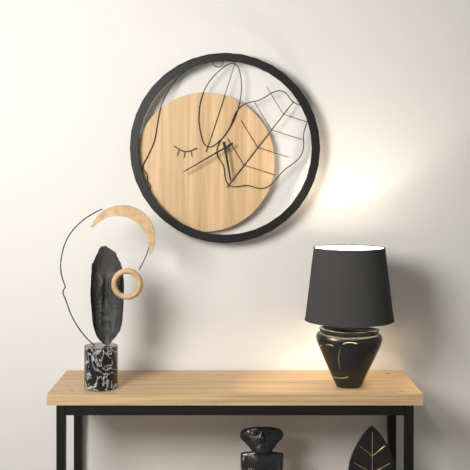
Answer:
5,40
